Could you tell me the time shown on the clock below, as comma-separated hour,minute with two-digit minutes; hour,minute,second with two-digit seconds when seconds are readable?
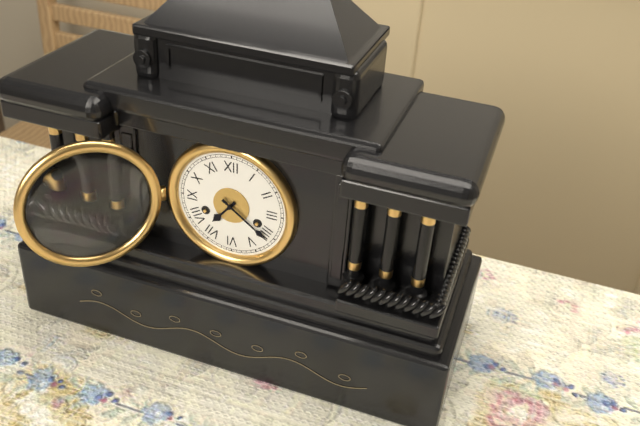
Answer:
7,21
